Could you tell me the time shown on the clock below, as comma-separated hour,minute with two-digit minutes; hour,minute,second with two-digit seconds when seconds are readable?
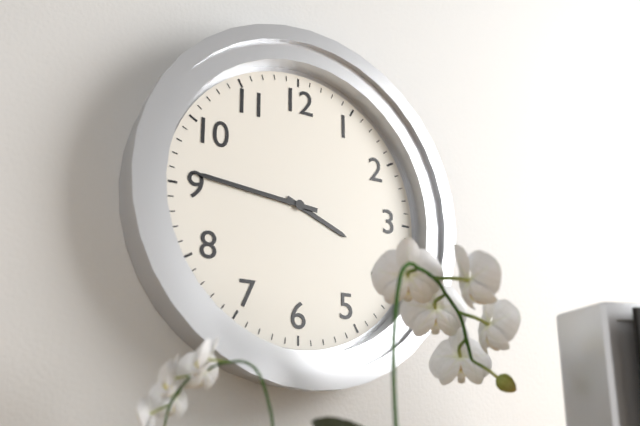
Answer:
3,46
